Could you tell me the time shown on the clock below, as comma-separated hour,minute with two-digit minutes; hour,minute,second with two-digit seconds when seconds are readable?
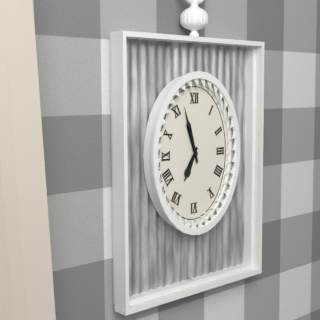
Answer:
6,57
